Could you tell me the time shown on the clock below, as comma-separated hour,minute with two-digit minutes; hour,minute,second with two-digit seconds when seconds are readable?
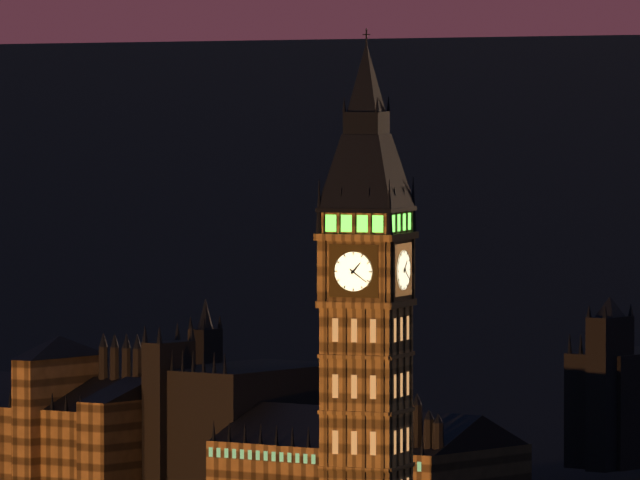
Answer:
1,21
